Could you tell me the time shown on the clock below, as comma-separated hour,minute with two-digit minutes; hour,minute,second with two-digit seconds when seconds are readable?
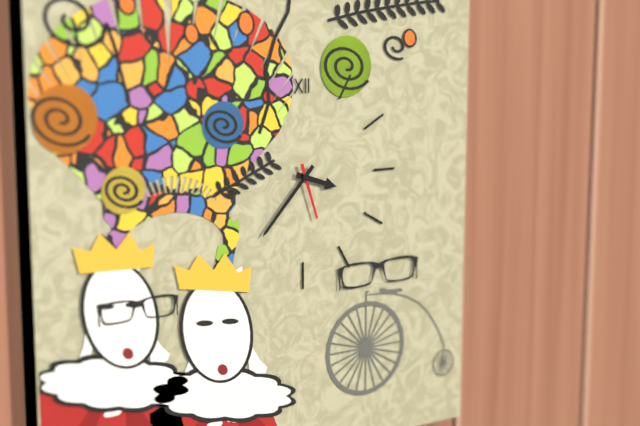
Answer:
3,37,27
